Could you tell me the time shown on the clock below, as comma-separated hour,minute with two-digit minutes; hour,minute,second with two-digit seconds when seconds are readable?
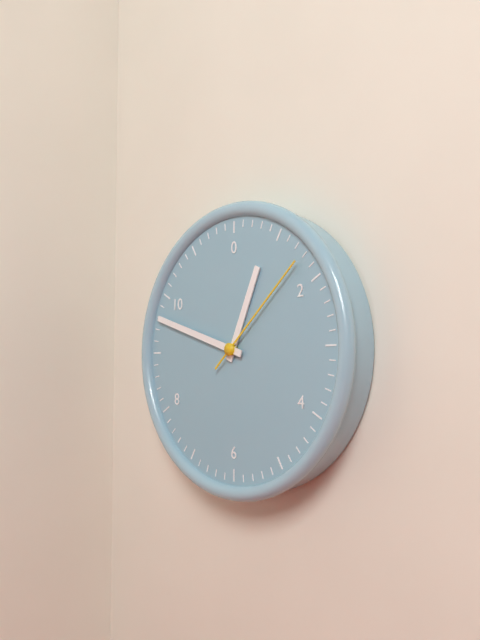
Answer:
12,48,08
